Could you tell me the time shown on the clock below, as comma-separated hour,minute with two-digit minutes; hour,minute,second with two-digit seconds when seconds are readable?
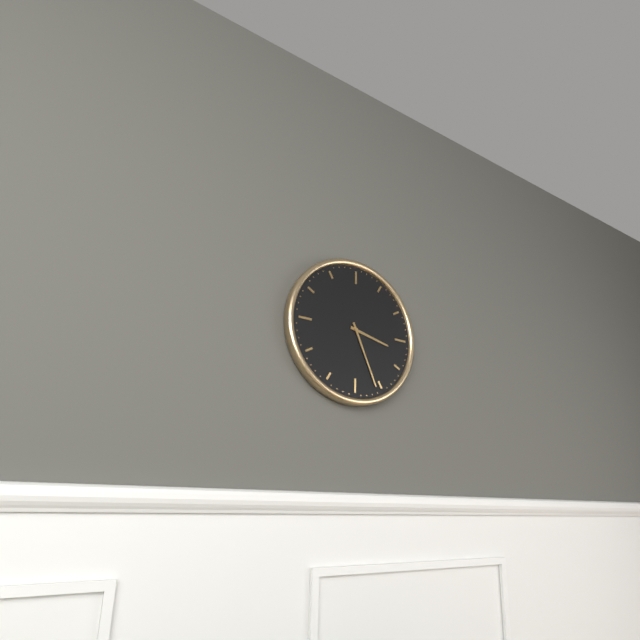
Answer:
3,26
